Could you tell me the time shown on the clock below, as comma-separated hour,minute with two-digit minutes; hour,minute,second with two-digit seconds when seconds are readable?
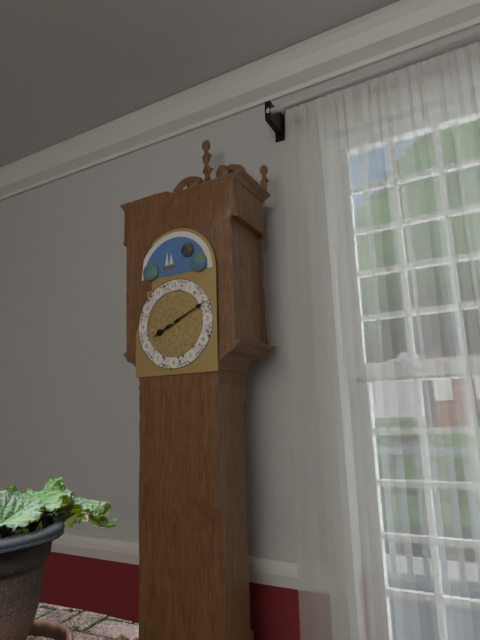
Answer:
8,11
